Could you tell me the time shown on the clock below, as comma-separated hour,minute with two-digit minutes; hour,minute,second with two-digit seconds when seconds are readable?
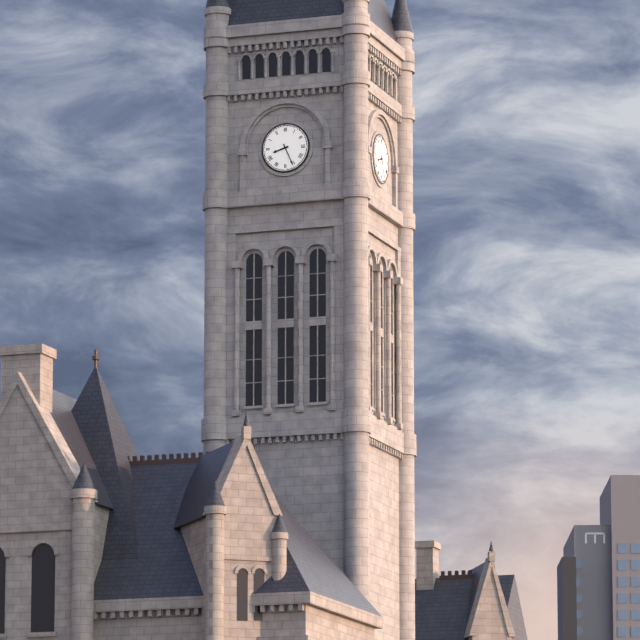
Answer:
8,26
